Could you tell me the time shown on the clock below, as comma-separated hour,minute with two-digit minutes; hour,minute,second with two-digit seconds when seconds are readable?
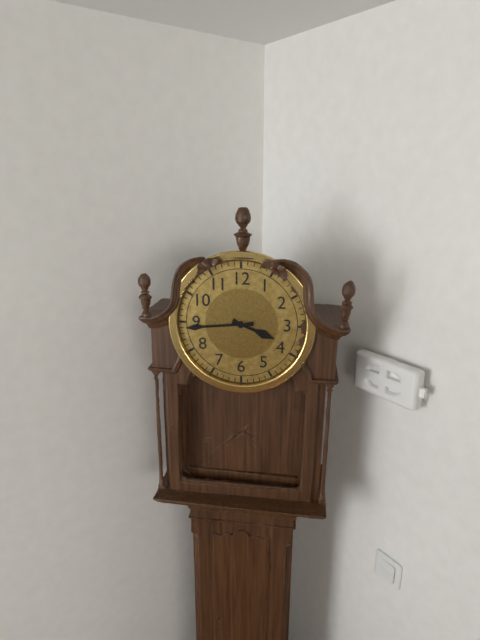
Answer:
3,44
